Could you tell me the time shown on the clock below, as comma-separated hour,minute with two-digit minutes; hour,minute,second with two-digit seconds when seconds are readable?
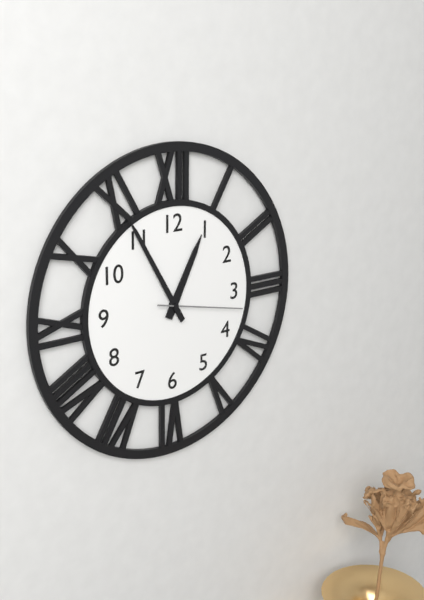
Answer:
12,55,17
